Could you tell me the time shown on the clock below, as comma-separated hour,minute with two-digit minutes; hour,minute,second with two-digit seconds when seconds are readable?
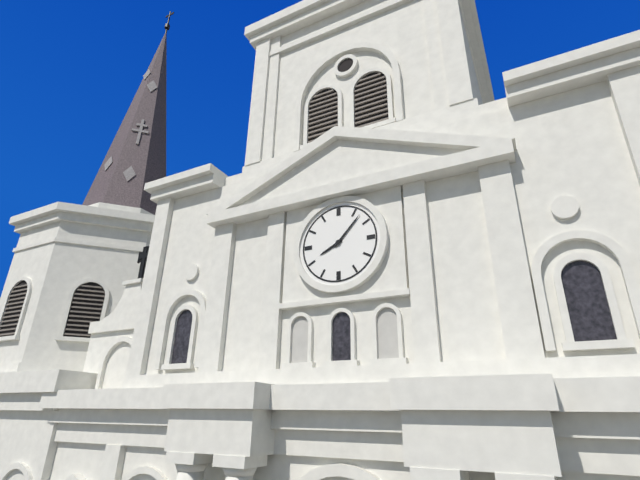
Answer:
8,07
